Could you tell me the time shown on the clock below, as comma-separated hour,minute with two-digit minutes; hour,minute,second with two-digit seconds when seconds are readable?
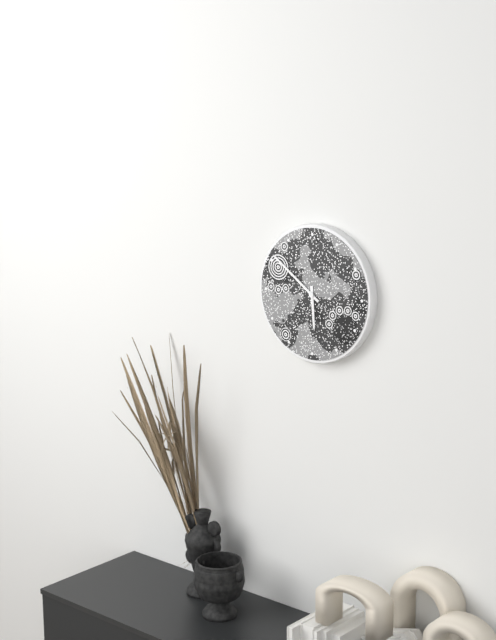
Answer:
5,51
